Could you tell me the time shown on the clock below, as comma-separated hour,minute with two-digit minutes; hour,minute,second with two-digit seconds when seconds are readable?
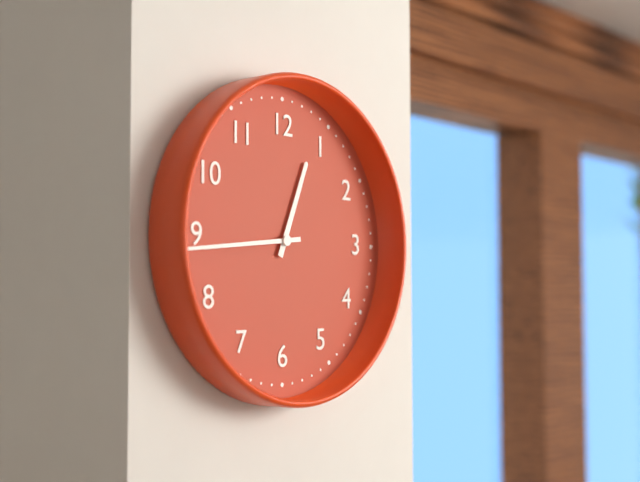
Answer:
12,44
